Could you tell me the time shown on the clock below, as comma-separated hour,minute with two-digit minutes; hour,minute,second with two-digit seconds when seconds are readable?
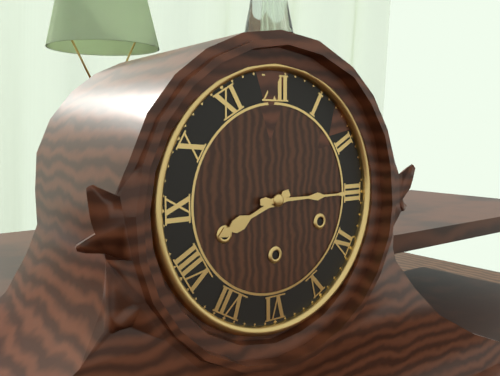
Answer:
8,15
